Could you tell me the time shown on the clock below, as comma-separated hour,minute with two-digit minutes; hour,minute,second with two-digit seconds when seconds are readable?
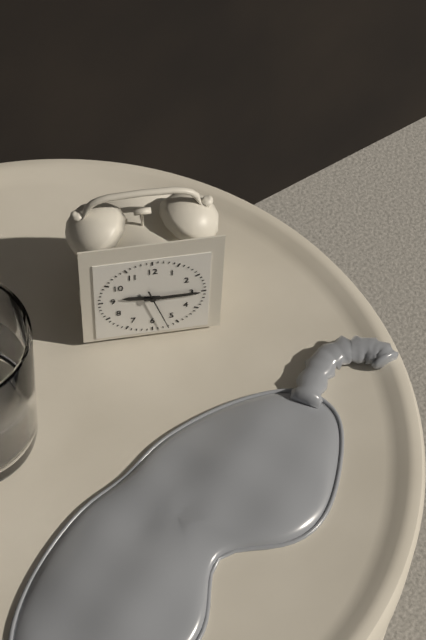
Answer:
9,15
